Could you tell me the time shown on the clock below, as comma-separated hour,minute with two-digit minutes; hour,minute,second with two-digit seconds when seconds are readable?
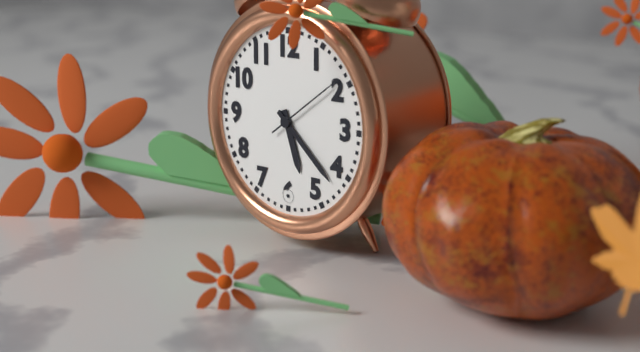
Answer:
5,22,09
